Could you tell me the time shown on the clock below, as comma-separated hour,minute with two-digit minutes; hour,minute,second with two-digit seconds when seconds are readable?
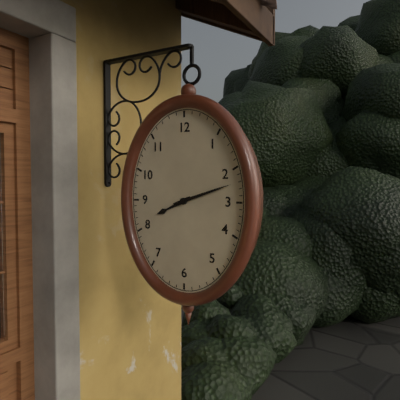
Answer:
8,12
